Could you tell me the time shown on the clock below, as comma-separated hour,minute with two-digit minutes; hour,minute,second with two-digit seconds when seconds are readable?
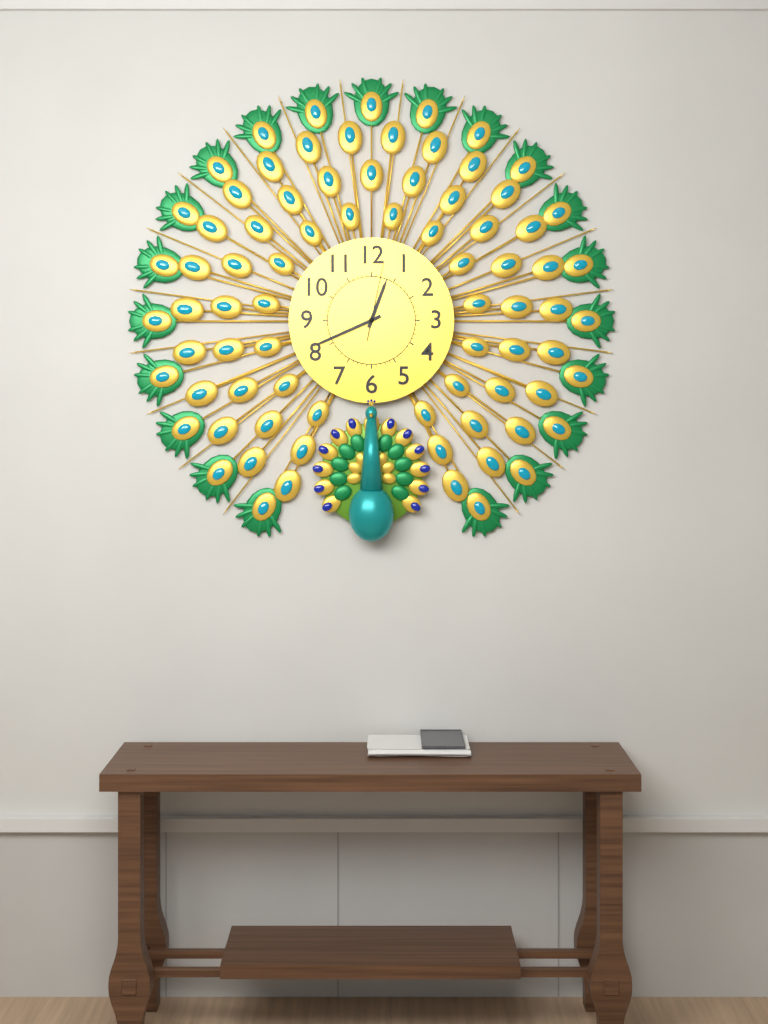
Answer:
12,41,02
